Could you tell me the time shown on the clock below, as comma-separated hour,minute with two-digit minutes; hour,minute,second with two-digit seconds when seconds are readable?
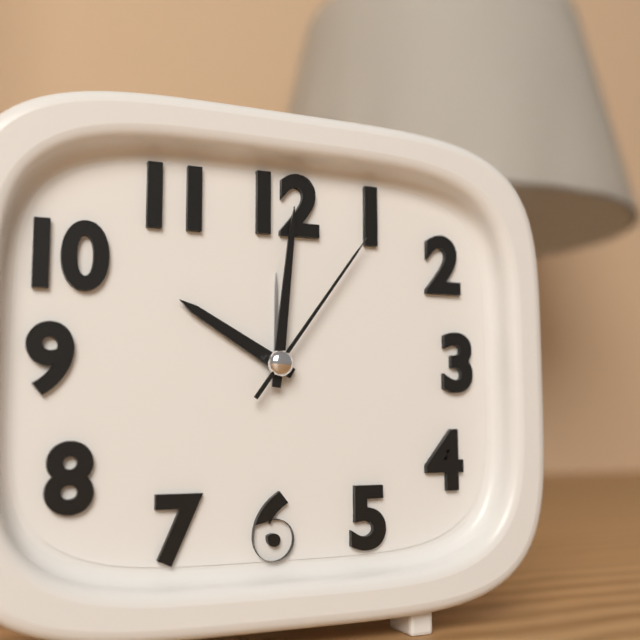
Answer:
10,01,06
